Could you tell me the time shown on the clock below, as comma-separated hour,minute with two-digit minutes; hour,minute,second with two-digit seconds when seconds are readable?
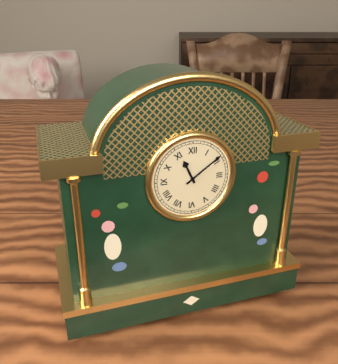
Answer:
11,09
